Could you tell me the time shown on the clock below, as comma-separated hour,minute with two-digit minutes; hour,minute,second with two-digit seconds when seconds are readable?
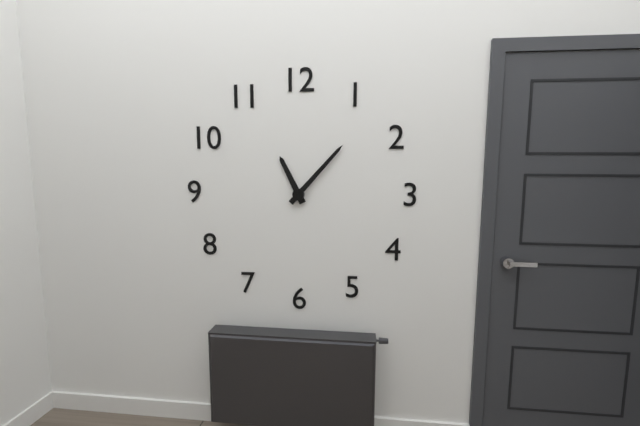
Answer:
11,07
